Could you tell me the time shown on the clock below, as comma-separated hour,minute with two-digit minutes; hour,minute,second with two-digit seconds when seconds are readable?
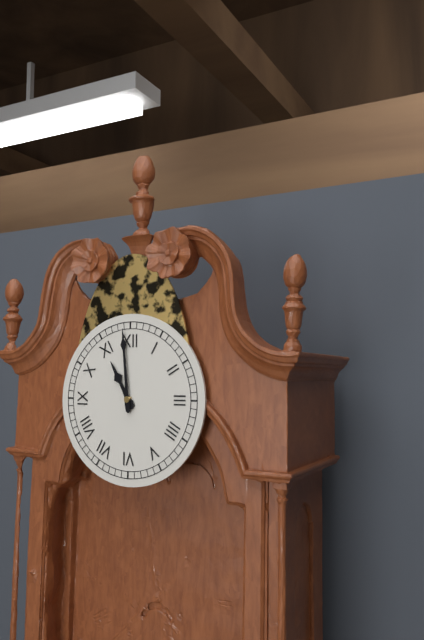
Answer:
10,59
